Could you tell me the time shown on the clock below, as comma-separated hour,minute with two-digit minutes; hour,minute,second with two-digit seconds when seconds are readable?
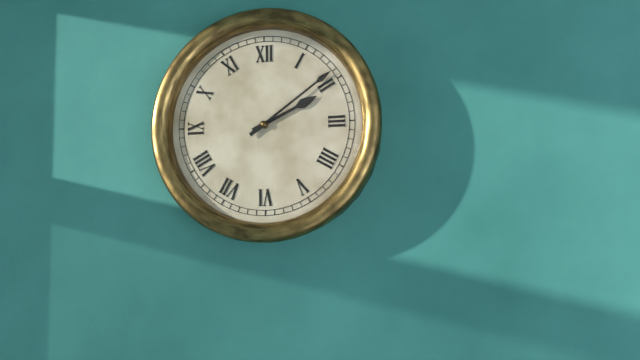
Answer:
2,09
